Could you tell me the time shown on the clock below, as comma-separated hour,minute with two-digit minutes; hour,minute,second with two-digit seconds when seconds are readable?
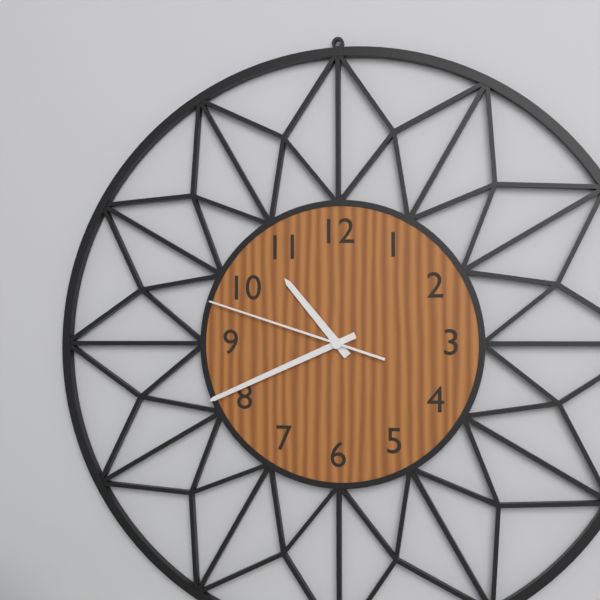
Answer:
10,41,48
